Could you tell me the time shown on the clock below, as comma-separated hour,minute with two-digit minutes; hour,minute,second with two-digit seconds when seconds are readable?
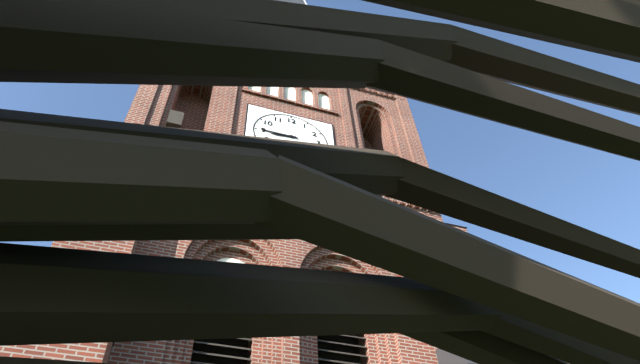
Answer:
8,45
